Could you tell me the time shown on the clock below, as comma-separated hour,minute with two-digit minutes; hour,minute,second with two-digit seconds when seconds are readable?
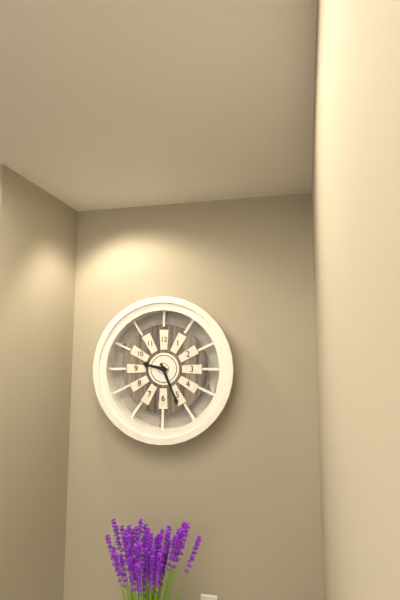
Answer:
9,26
